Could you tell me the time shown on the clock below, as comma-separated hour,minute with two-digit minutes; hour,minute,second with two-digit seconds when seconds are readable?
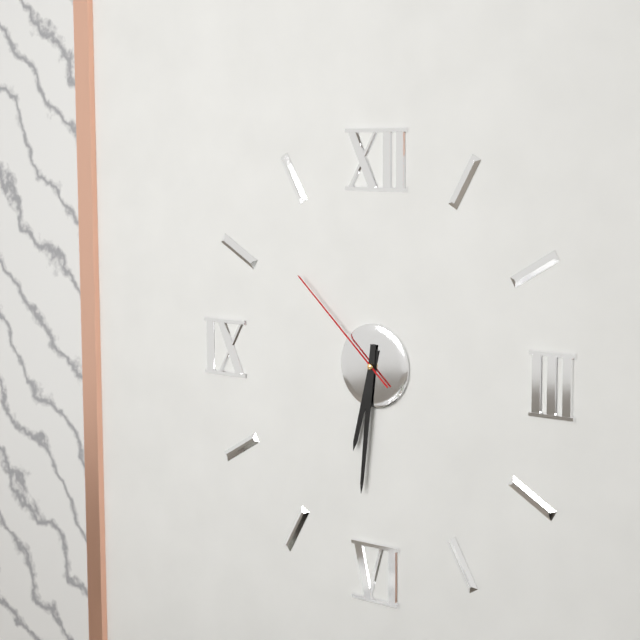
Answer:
6,31,52
